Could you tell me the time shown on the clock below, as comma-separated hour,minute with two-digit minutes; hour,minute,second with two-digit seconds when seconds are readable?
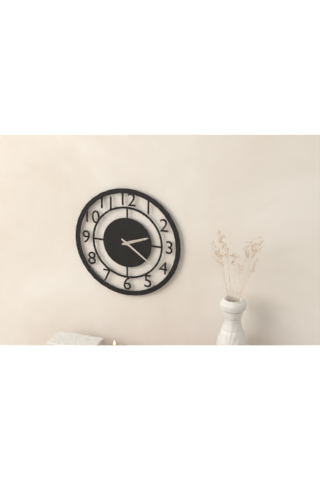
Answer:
2,21
